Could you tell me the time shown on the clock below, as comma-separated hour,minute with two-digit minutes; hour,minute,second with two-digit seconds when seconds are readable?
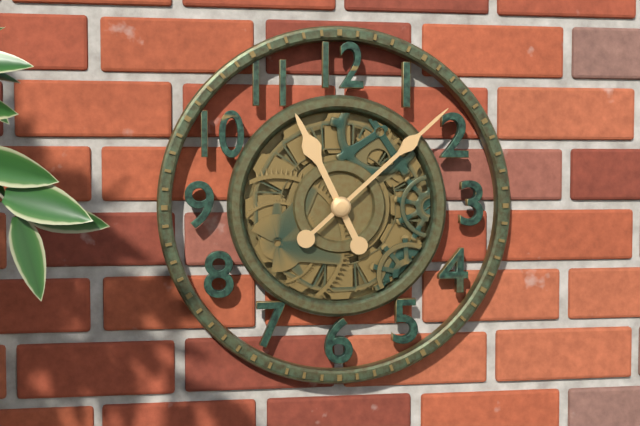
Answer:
11,08
